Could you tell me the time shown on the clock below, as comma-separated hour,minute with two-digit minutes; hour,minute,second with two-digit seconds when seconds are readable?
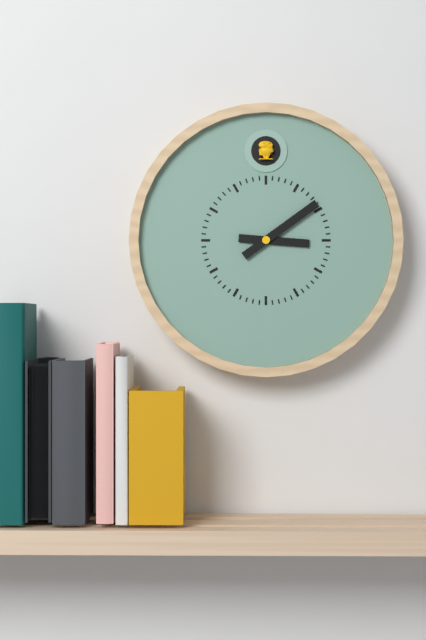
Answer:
3,09
